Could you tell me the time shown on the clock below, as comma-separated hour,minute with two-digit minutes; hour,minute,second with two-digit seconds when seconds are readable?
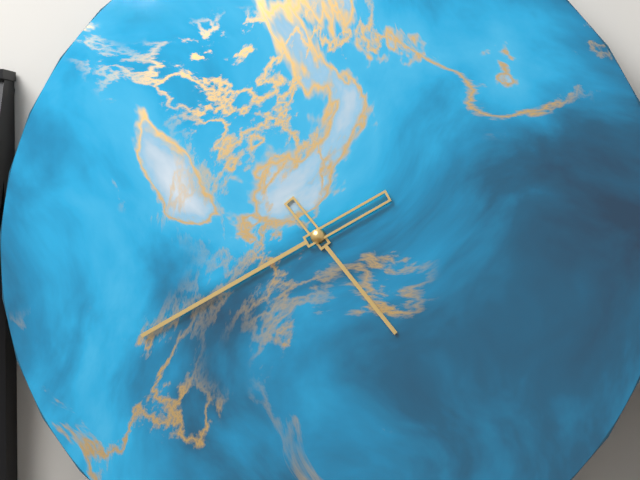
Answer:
4,40
